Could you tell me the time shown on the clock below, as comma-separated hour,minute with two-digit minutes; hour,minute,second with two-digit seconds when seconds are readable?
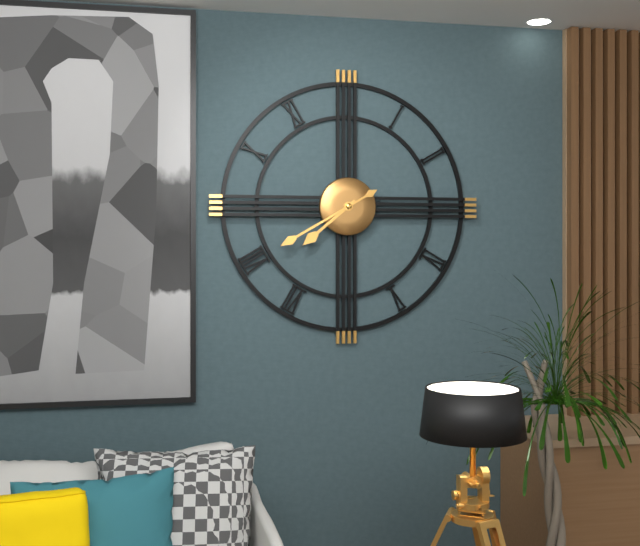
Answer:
7,40
